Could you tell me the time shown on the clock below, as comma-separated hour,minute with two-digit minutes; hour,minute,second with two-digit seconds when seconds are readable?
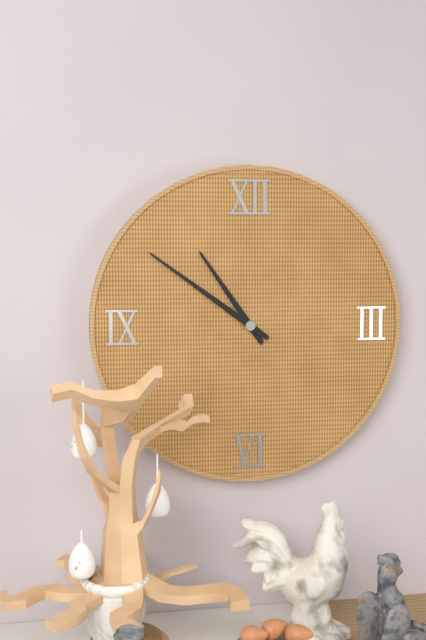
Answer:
10,51
